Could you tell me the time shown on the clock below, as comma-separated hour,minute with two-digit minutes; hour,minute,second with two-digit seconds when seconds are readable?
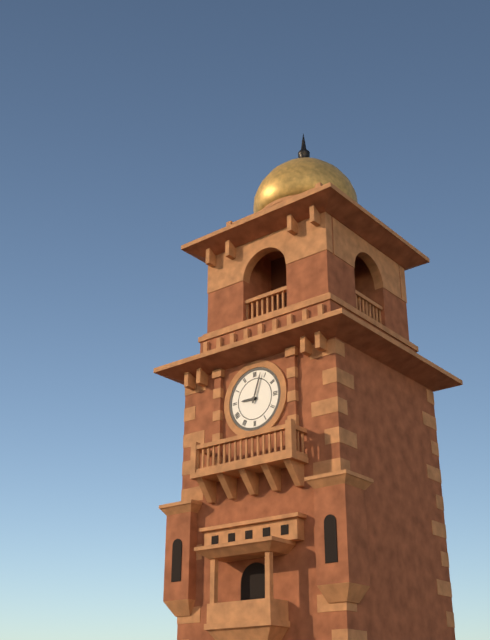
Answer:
9,03
